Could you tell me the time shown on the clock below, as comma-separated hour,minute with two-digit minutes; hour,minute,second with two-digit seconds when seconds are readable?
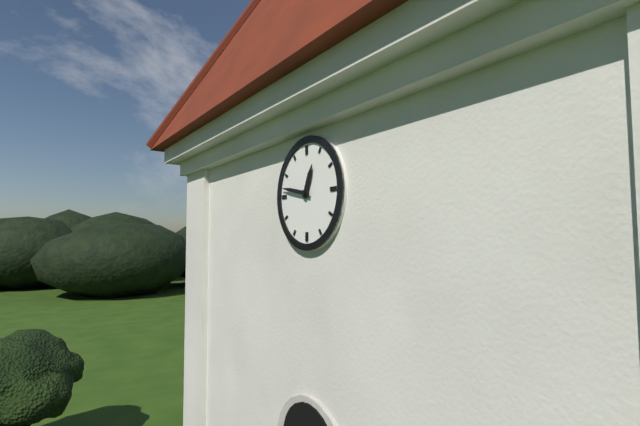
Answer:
12,47
